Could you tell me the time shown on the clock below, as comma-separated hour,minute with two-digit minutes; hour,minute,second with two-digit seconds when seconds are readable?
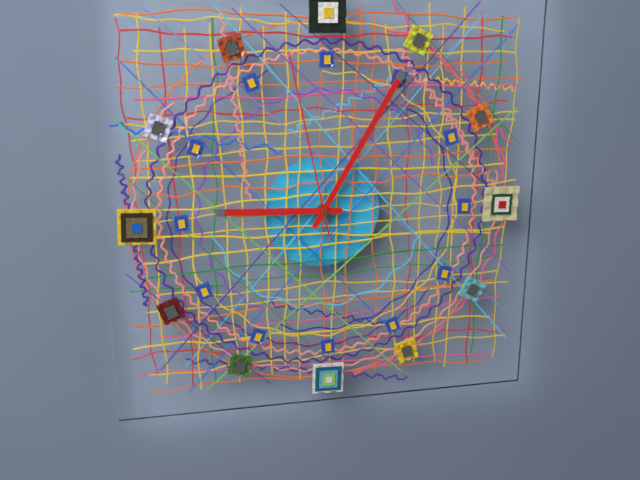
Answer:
9,05,58
